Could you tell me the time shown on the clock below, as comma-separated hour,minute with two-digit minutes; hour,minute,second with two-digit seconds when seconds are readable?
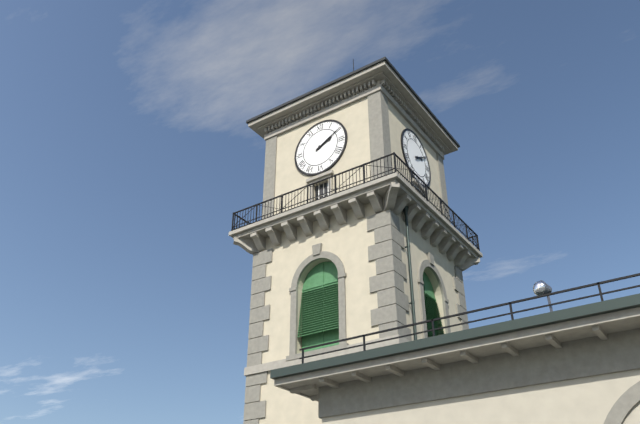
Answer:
2,10
